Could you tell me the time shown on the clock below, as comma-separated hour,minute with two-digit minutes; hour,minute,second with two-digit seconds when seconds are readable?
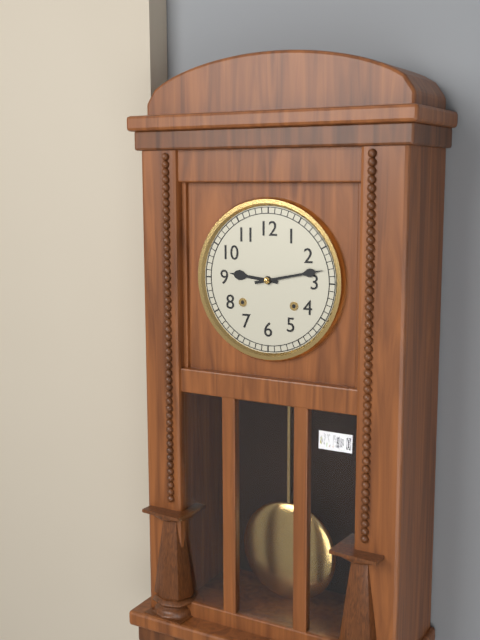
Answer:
9,13
